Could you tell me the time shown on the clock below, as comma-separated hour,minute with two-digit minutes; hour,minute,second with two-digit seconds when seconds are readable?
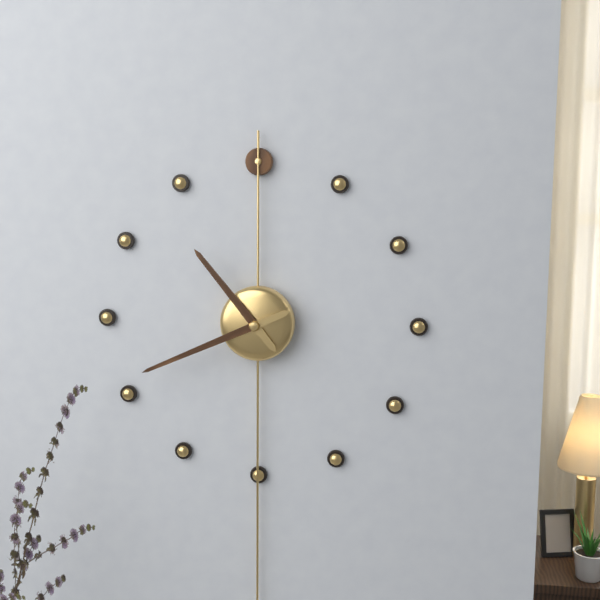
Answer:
10,41
